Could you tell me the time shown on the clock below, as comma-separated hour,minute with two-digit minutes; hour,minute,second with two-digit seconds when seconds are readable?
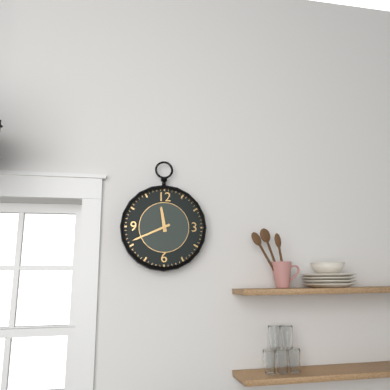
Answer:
11,41
